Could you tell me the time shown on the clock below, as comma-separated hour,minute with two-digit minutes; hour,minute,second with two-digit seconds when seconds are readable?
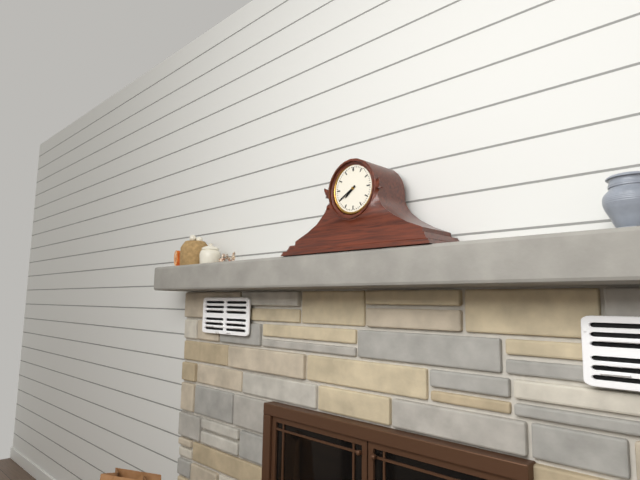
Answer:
7,40
